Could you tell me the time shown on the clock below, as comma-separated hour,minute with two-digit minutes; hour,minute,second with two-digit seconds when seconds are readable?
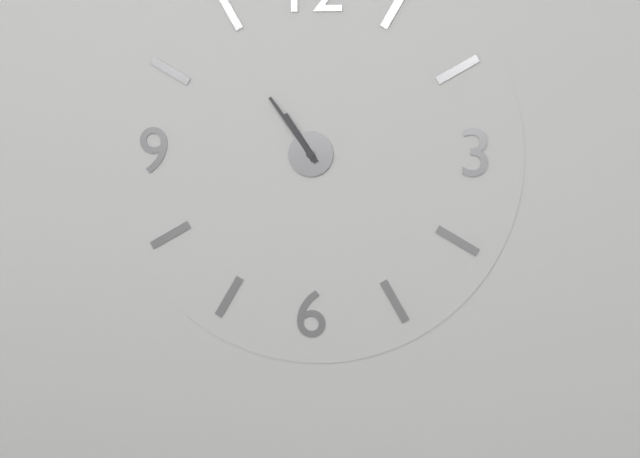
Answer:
10,54
